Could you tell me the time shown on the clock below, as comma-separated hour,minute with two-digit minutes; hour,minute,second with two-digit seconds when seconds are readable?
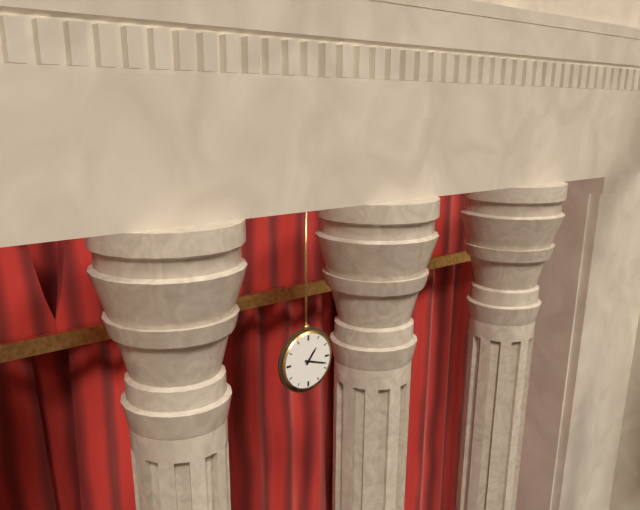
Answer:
1,18
